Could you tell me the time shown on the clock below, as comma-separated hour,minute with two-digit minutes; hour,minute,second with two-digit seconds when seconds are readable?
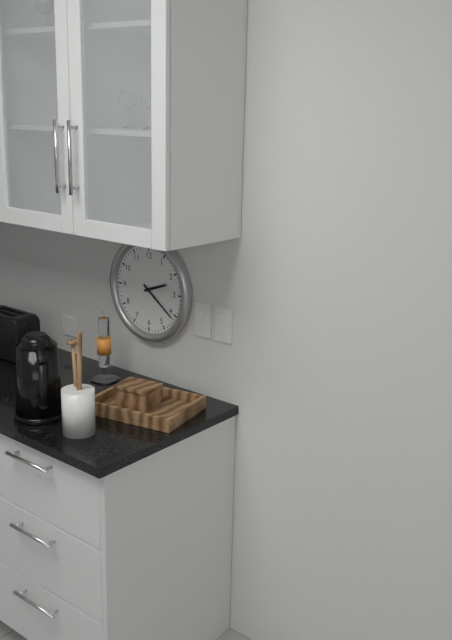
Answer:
2,21
